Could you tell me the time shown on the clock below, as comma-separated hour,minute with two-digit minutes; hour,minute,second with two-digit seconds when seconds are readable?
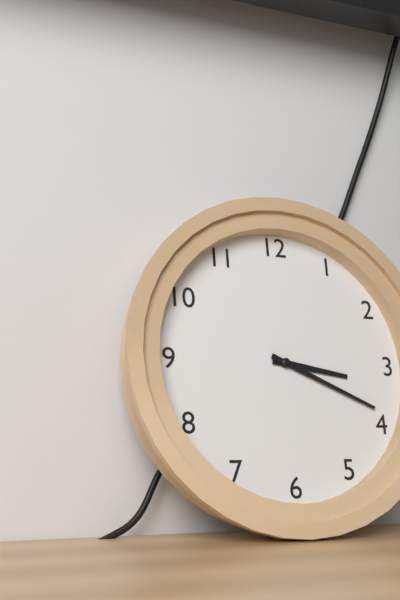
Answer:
3,19
